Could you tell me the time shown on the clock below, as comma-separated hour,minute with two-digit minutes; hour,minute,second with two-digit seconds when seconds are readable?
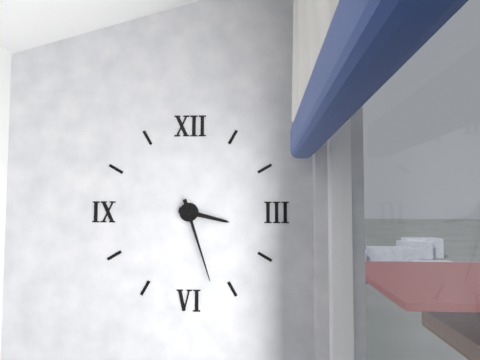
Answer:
3,27
